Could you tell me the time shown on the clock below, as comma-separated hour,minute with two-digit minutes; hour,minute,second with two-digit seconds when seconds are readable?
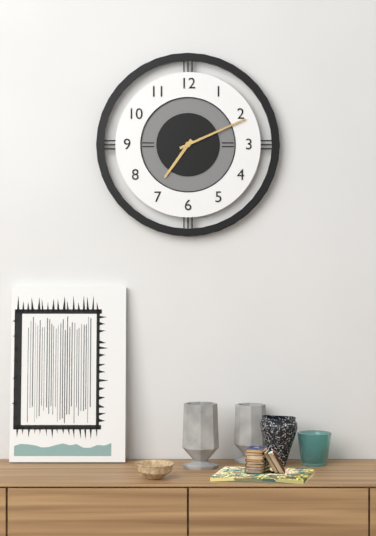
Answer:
7,11
